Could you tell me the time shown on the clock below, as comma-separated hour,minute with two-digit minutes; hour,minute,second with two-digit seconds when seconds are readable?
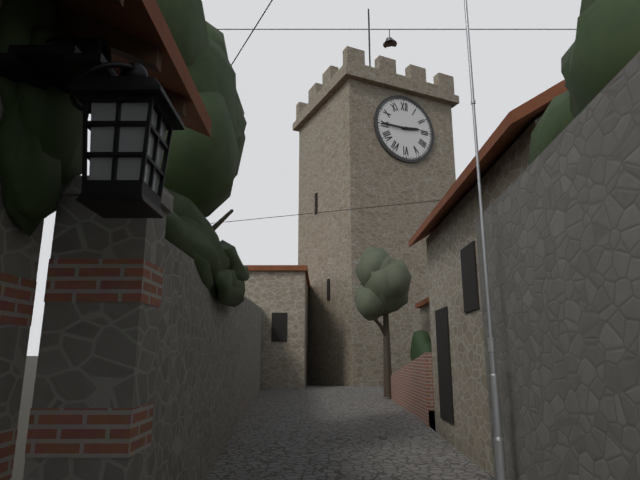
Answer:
2,45
